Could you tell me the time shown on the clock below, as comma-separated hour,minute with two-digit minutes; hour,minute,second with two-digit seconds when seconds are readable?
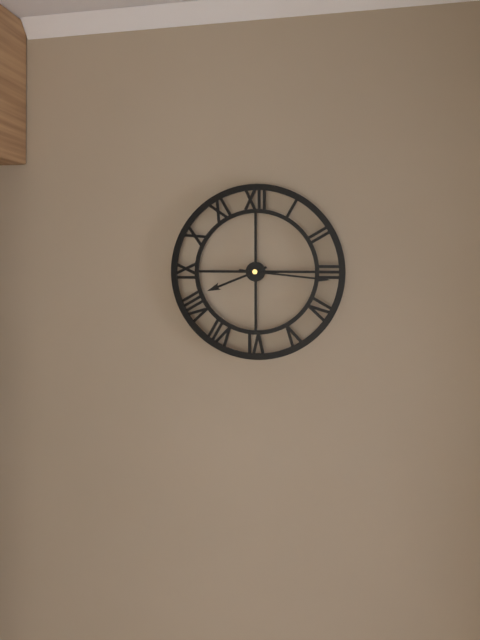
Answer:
8,16
